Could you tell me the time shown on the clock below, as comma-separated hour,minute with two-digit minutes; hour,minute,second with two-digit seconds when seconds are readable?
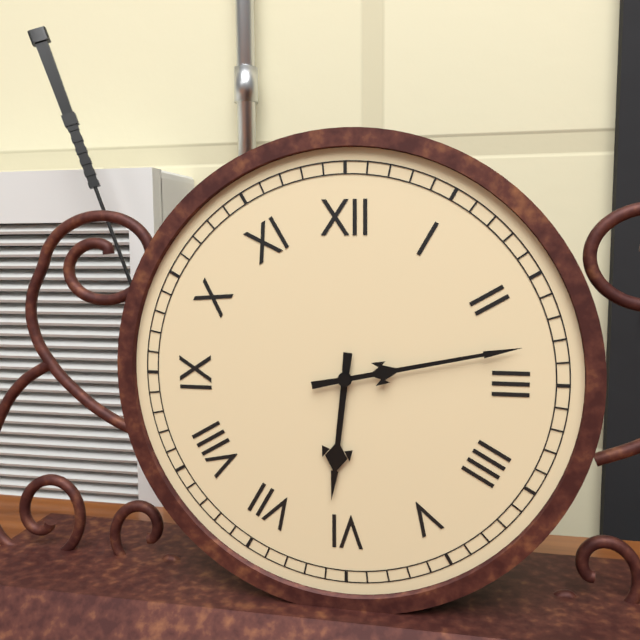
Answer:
6,13
